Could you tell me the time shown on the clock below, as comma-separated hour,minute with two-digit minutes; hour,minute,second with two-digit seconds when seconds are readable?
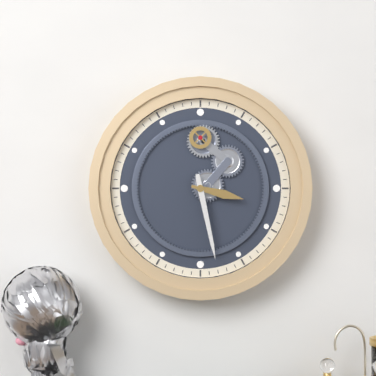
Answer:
3,28
